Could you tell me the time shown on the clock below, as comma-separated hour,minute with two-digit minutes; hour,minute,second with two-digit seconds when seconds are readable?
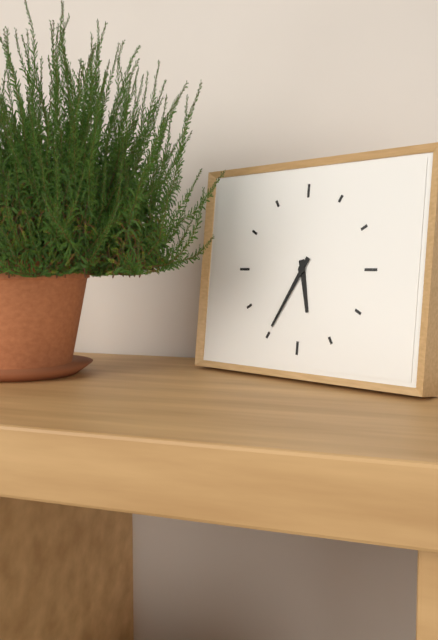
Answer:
5,35
